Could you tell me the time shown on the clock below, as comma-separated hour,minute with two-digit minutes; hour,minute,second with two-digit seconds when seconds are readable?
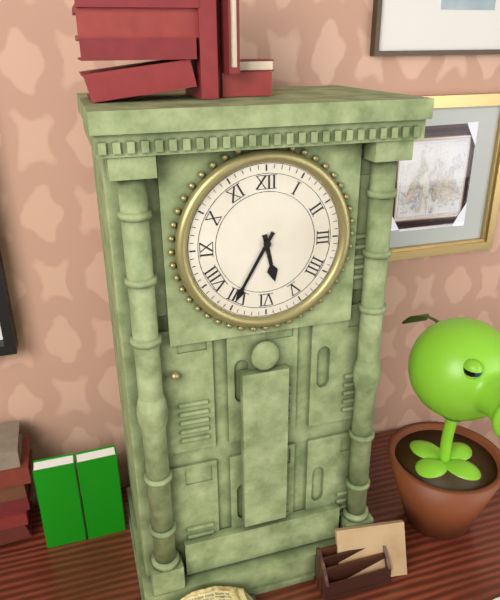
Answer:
5,35
